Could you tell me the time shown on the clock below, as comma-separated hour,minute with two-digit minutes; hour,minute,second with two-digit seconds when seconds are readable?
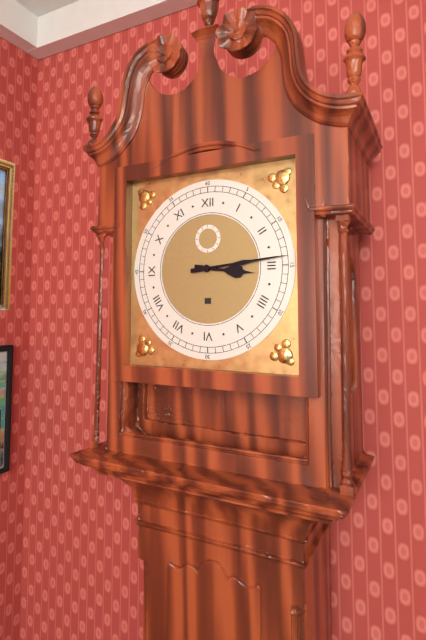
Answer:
3,14
